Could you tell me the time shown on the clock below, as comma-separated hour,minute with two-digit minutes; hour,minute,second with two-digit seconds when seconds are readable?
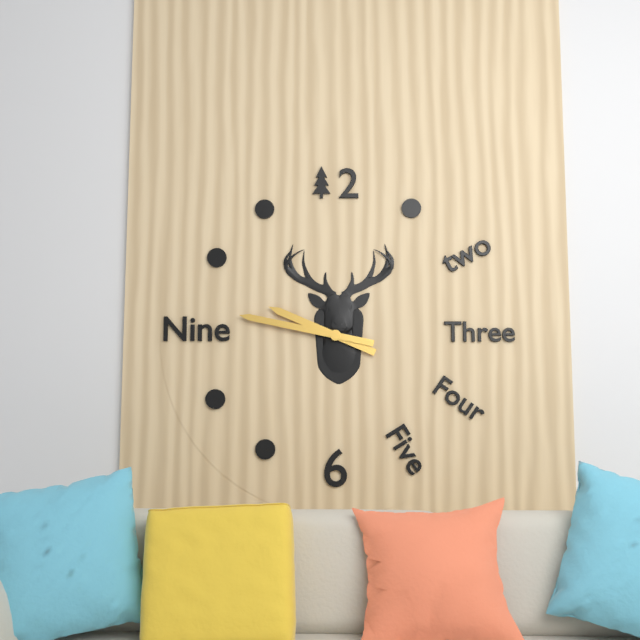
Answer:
9,47
